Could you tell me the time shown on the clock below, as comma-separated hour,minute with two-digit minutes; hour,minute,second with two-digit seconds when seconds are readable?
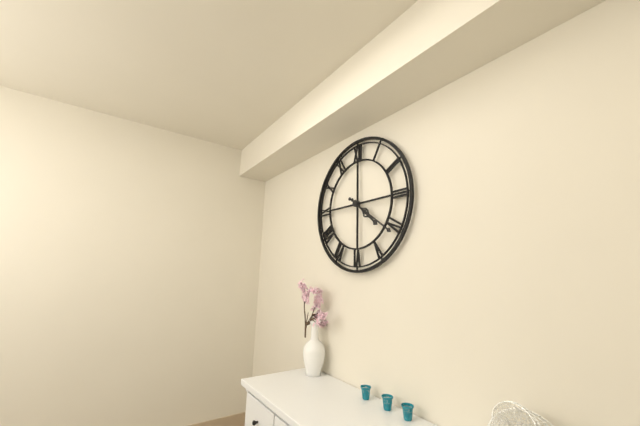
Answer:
4,21
